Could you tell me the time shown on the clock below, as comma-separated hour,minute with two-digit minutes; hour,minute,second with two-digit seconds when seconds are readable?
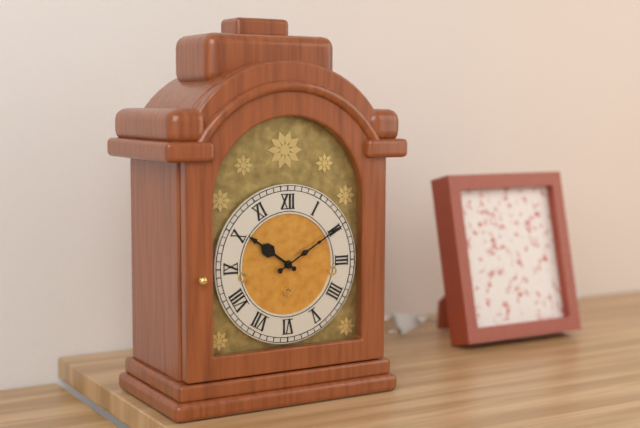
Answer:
10,10
